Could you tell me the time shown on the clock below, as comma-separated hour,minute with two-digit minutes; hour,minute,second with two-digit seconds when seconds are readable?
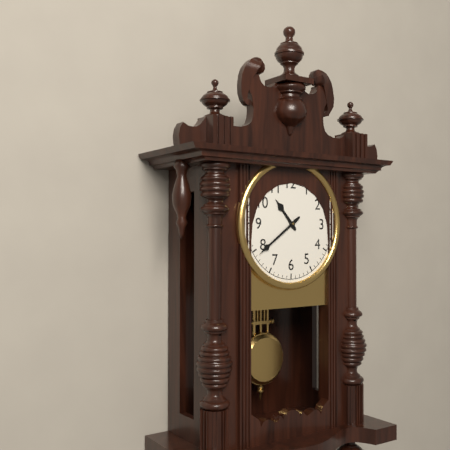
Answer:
10,39
